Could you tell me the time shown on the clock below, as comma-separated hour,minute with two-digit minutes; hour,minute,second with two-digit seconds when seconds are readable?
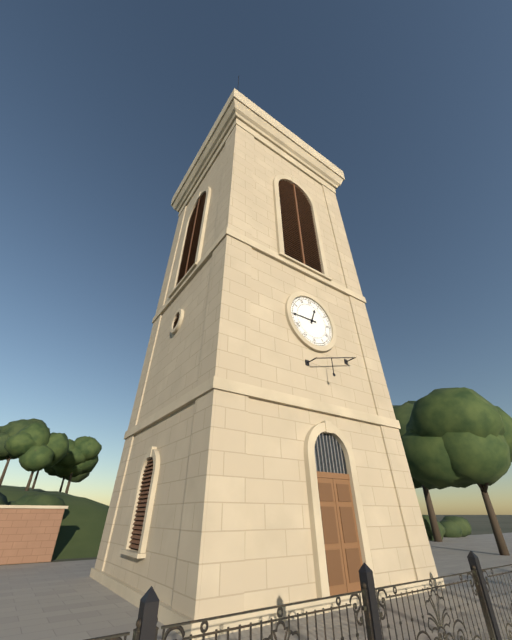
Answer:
12,45
